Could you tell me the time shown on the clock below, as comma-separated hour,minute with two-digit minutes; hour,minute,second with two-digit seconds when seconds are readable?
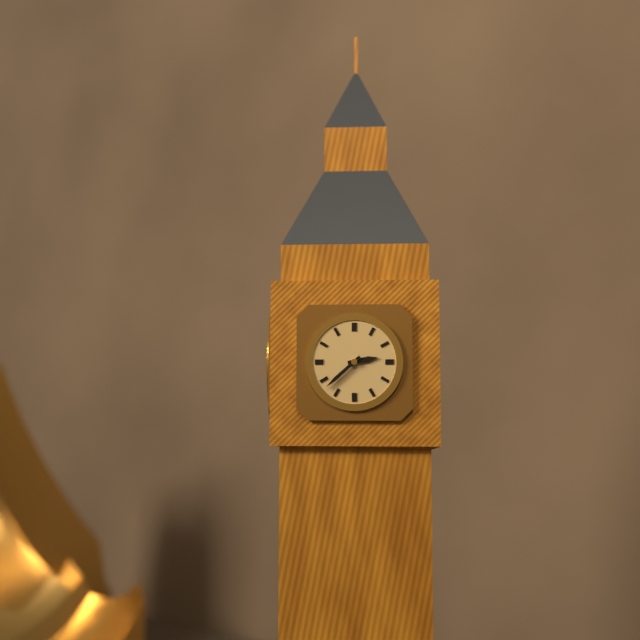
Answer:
2,38
